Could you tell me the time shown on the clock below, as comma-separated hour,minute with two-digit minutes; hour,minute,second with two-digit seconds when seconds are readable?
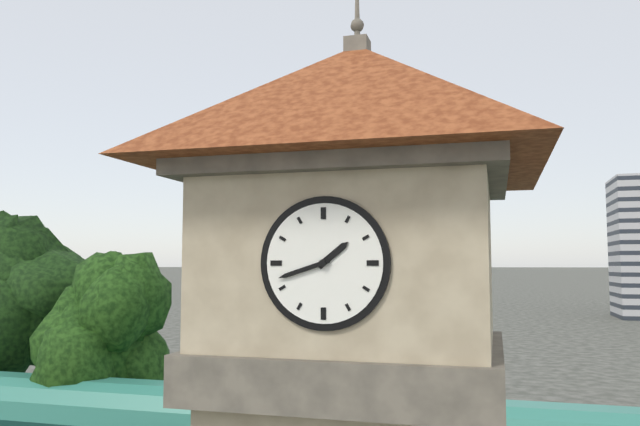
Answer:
1,42
